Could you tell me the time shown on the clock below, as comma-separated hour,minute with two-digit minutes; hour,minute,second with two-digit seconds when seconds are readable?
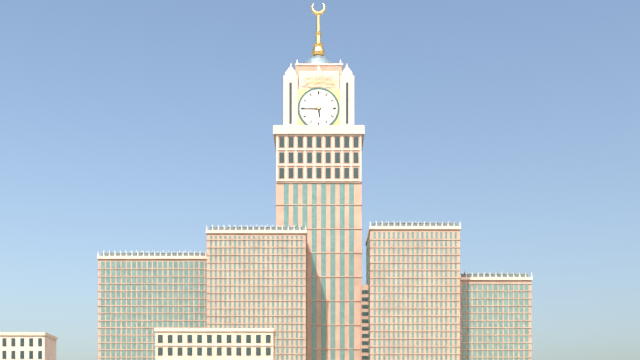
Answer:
5,45
